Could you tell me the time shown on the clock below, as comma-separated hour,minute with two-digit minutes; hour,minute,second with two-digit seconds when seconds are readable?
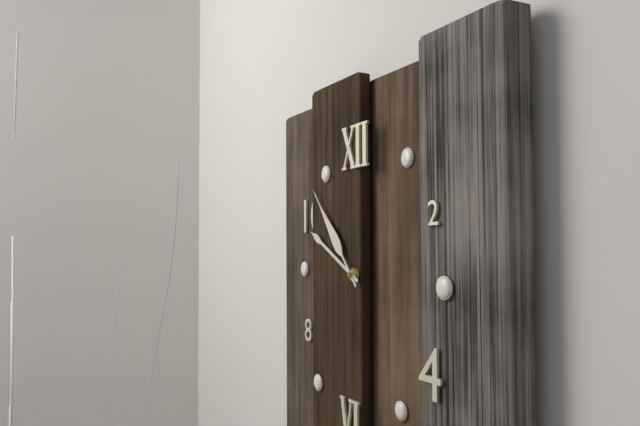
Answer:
9,53
